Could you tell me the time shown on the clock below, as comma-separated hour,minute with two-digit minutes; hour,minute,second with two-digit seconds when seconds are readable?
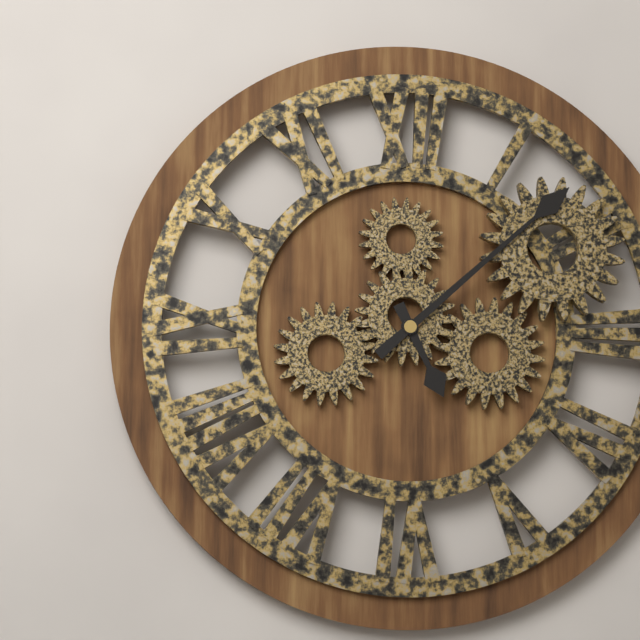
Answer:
5,08
